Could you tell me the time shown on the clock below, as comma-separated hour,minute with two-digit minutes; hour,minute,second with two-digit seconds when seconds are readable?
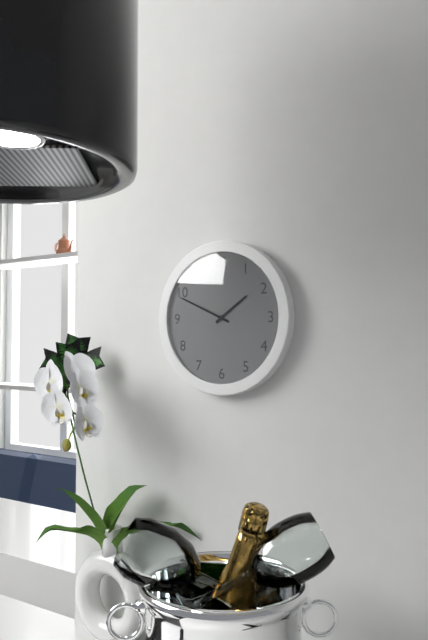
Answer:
1,49
